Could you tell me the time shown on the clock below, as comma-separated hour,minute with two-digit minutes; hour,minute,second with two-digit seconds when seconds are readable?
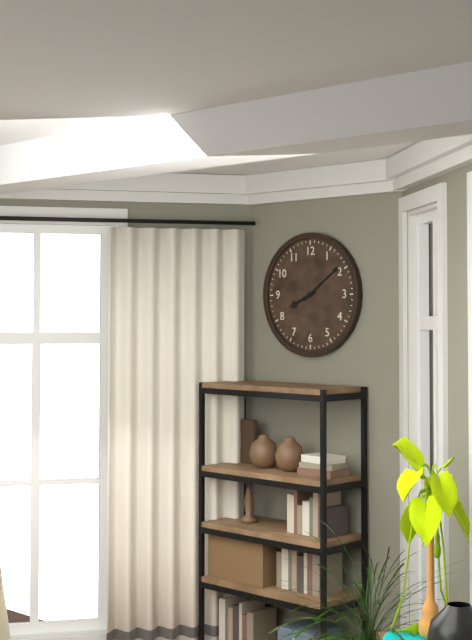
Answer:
8,09
